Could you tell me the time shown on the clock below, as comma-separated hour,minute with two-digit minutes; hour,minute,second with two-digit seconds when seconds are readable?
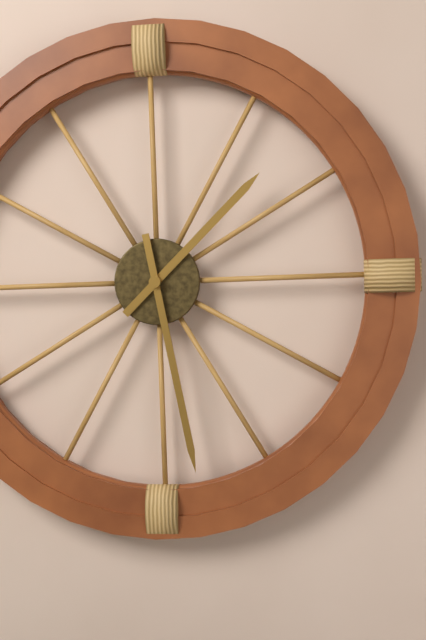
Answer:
1,28
